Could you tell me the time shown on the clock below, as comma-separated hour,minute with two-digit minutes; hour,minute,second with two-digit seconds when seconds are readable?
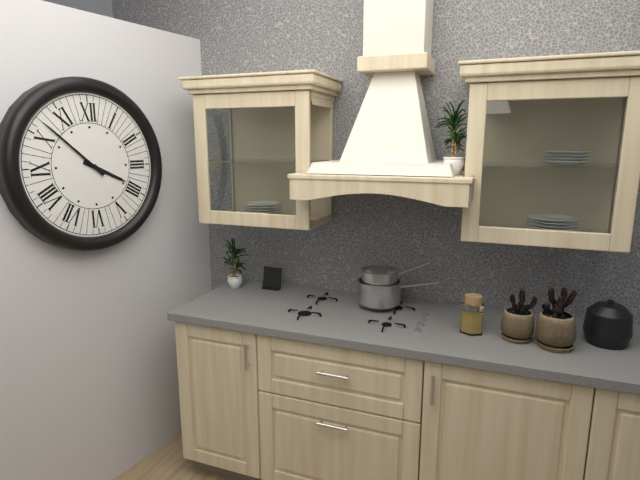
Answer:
3,52
